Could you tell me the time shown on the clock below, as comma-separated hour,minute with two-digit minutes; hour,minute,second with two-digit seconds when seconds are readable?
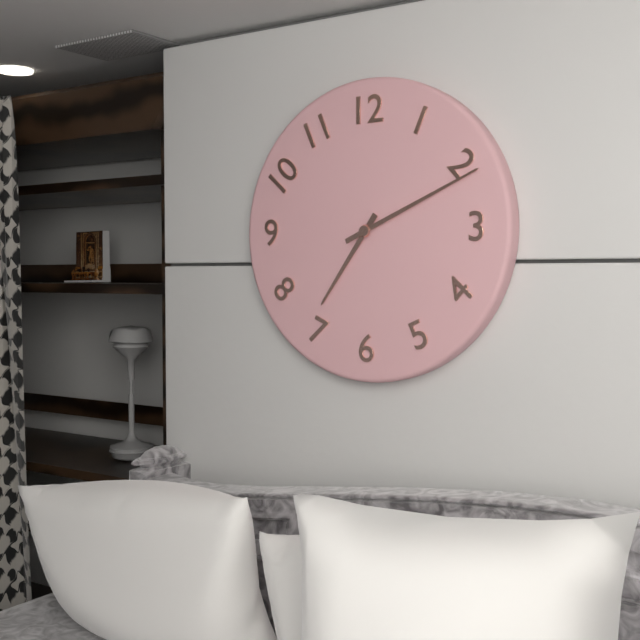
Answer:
7,11
